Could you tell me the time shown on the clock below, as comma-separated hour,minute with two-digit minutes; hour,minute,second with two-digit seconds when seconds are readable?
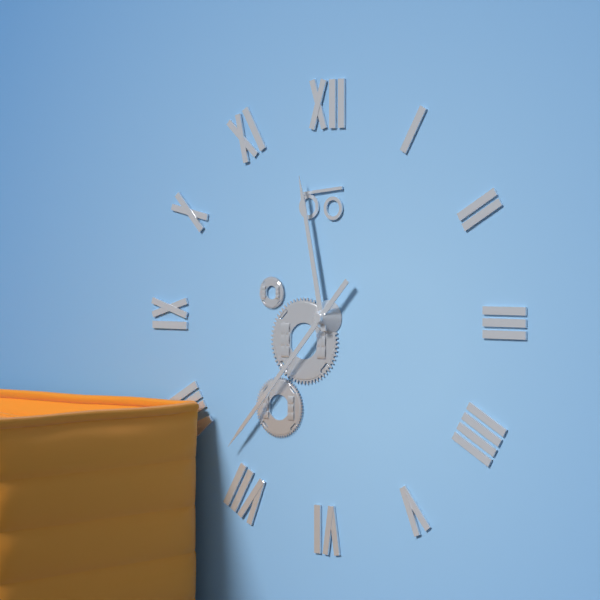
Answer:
11,37
